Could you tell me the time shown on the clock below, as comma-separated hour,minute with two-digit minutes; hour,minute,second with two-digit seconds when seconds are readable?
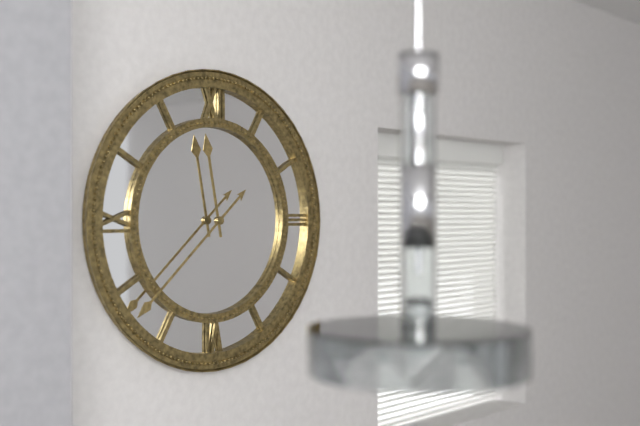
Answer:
11,38
